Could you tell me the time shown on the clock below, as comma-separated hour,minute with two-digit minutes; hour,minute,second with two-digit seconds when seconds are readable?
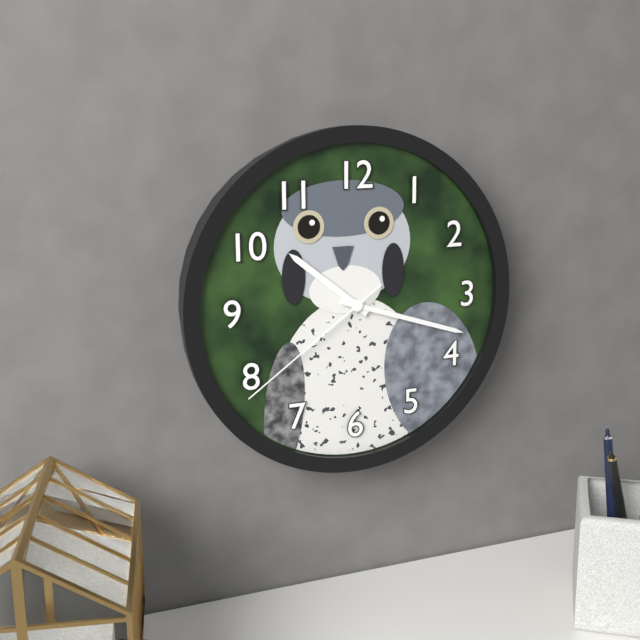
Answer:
10,18,39
